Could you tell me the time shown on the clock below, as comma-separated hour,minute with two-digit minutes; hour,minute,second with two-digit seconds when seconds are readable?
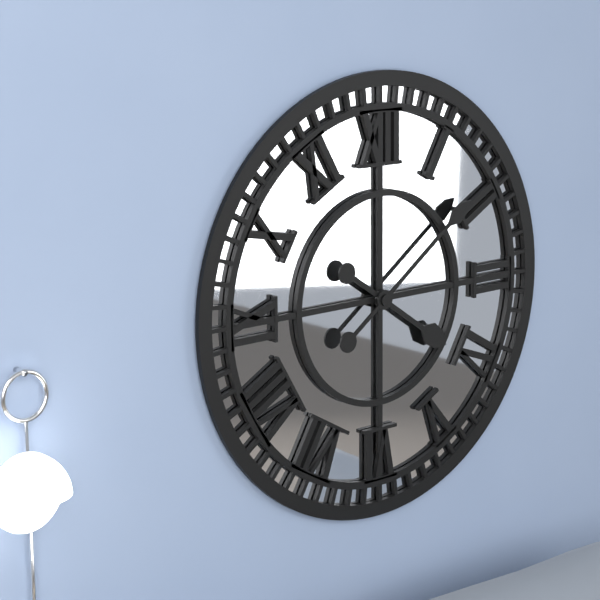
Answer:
4,09
